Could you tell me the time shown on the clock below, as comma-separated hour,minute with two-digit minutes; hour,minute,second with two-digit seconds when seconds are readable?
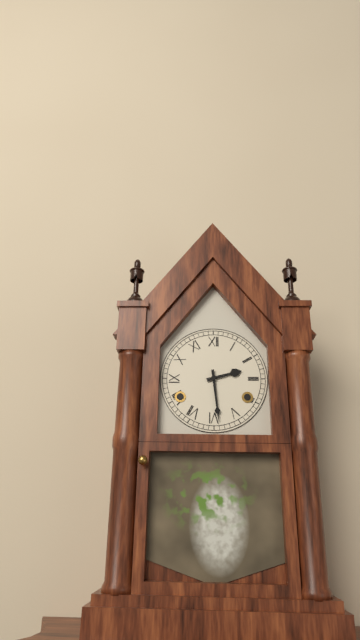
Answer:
2,29
